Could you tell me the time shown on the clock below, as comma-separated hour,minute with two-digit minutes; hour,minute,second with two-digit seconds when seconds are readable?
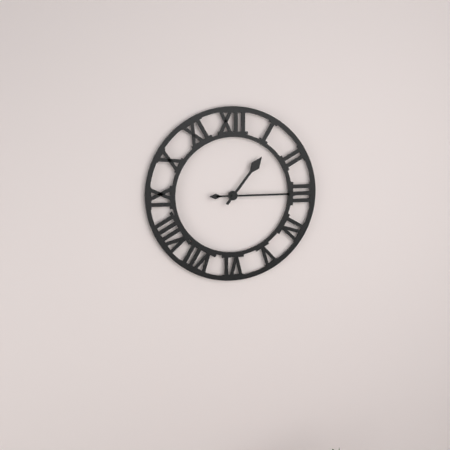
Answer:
1,15
